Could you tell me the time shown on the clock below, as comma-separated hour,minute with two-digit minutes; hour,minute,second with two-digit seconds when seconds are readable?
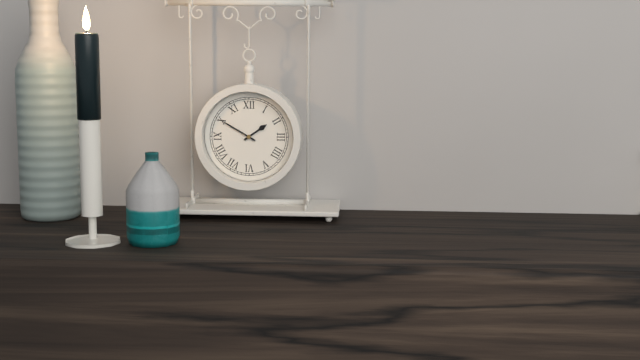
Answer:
1,50
